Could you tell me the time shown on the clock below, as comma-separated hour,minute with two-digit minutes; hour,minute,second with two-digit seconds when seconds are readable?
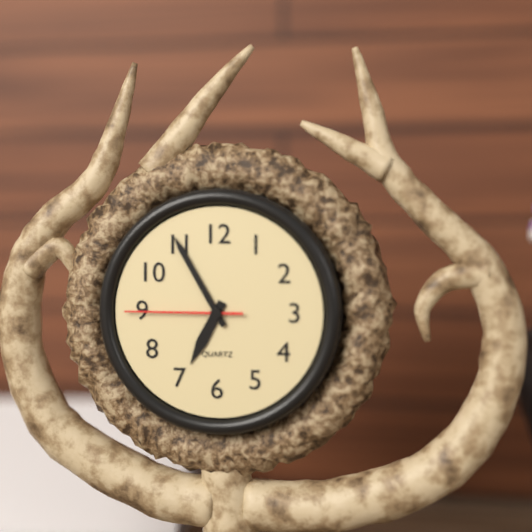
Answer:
6,55,45
